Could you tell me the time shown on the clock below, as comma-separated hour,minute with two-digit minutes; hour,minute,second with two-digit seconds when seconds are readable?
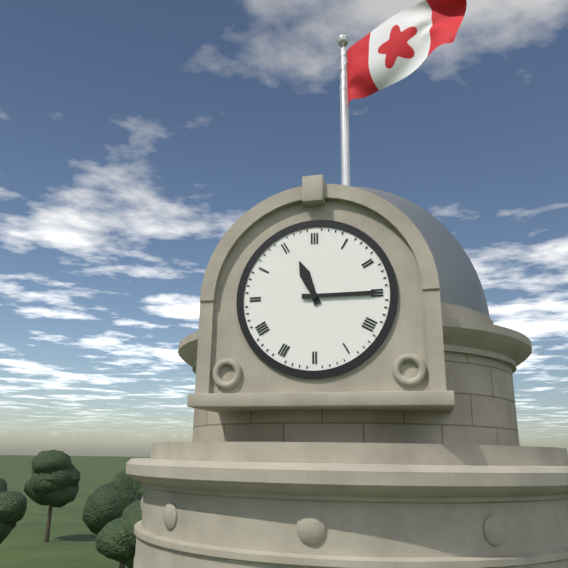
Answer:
11,15
